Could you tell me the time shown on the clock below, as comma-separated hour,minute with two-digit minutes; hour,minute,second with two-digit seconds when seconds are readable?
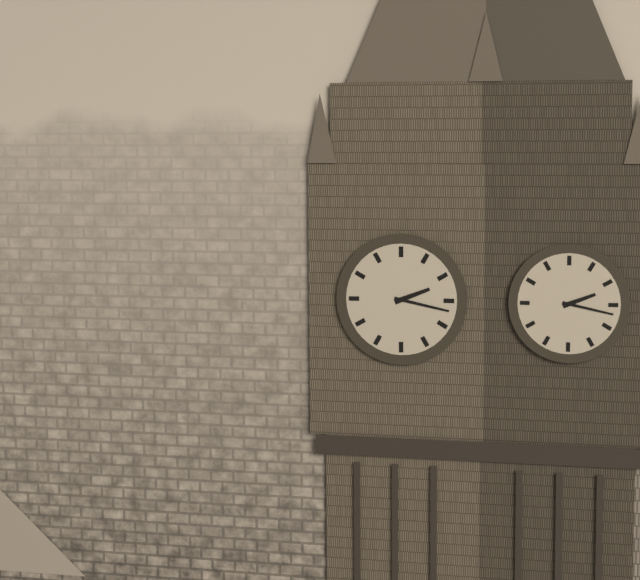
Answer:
2,17
